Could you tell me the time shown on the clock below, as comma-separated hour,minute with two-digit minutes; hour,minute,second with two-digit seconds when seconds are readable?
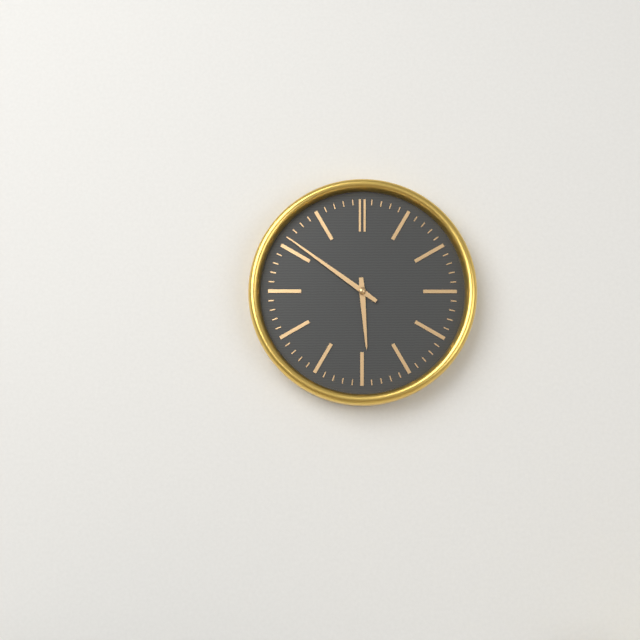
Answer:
5,51
